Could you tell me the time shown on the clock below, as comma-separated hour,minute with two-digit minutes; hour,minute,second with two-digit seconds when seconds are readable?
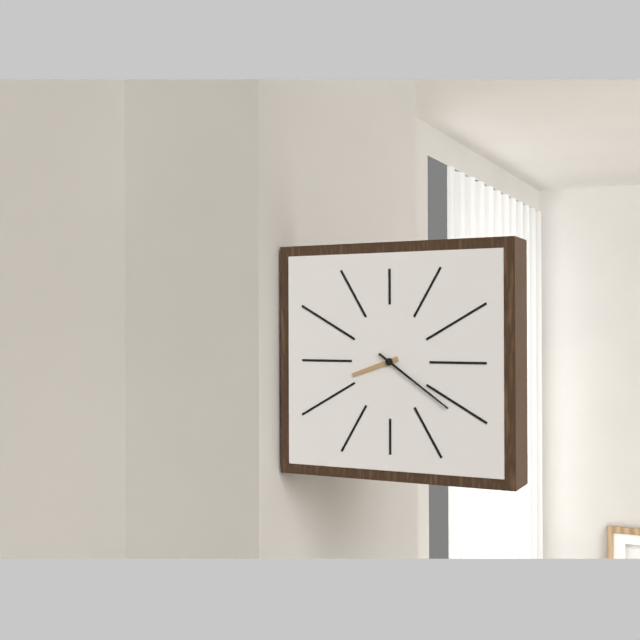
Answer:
8,21
